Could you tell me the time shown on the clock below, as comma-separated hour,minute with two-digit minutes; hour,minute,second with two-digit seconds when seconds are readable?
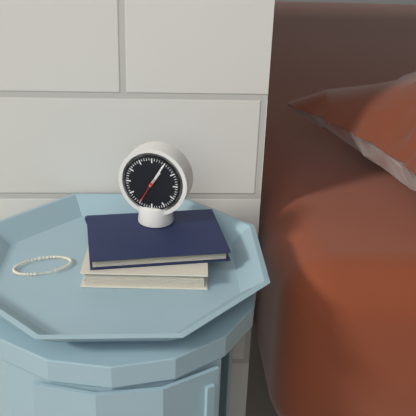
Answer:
1,05
